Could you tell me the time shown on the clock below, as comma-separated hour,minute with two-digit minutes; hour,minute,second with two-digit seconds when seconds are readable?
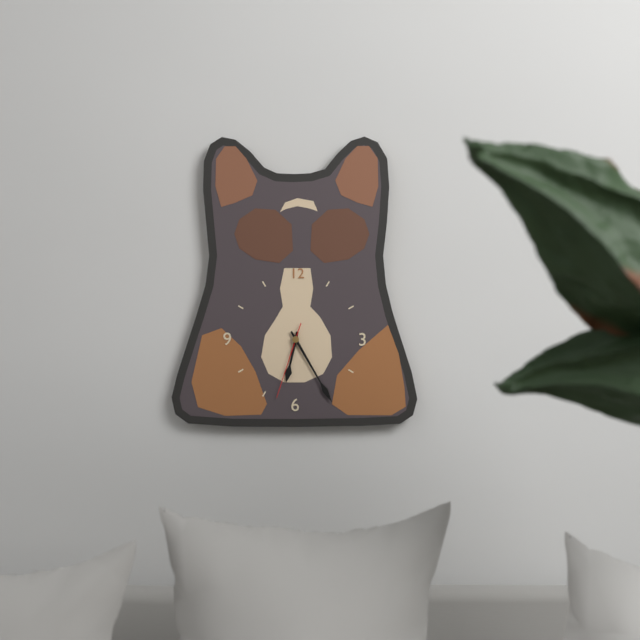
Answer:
6,25,33
